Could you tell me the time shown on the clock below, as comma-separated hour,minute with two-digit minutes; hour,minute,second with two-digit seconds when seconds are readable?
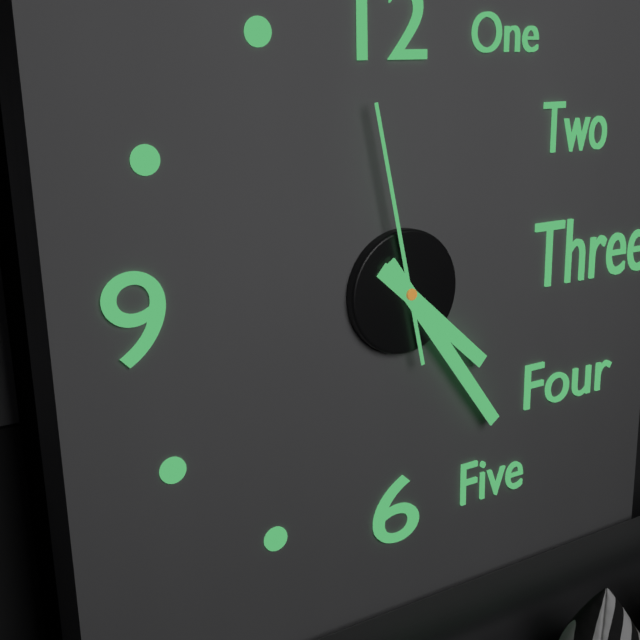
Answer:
4,24,58
